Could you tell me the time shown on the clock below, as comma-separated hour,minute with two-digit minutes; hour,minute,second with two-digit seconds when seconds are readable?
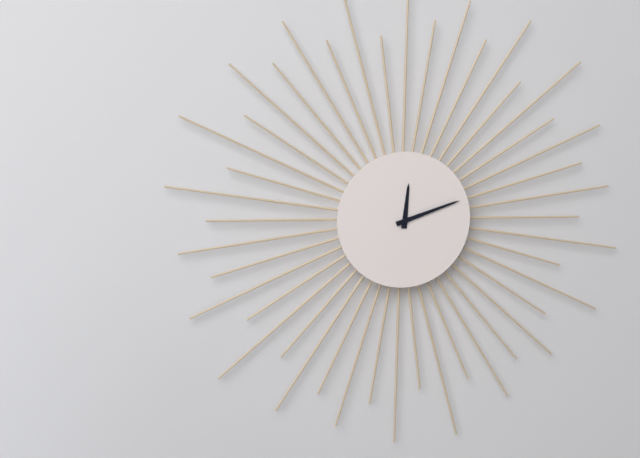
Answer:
12,12
